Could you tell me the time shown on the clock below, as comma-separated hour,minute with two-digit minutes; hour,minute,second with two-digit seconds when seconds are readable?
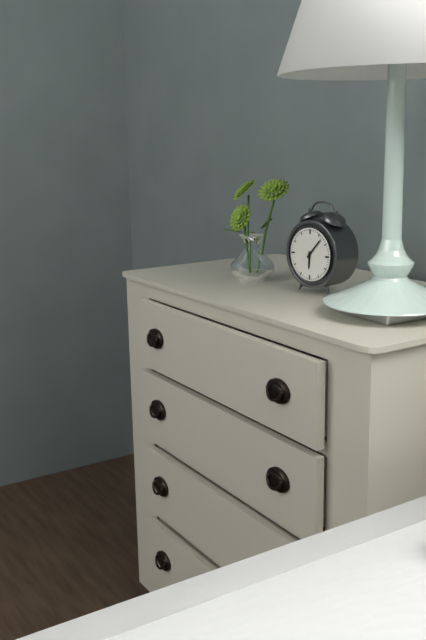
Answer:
6,07
